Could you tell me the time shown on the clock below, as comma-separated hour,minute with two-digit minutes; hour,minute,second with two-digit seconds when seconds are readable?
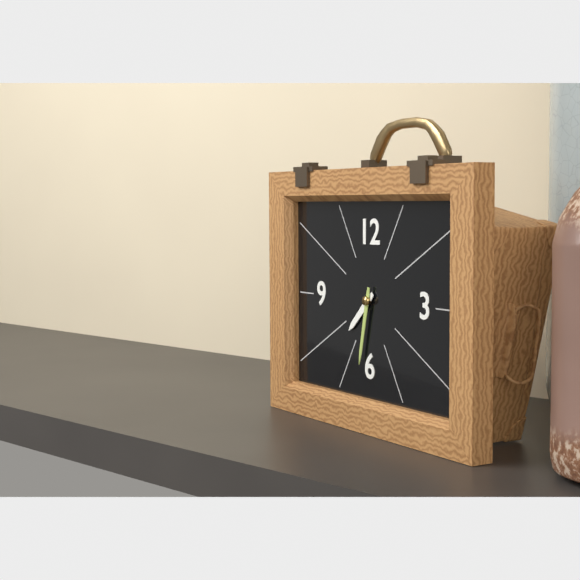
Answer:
7,32
